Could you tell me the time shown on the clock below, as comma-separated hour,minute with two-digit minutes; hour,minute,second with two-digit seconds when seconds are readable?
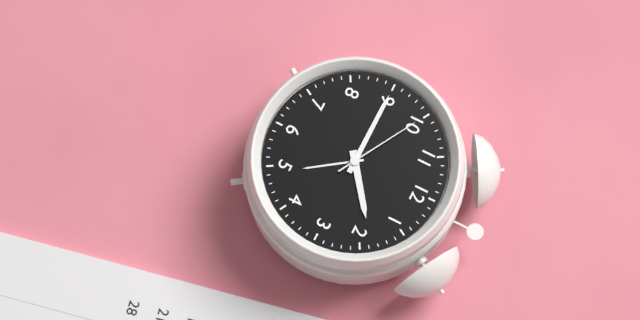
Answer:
1,45,50
